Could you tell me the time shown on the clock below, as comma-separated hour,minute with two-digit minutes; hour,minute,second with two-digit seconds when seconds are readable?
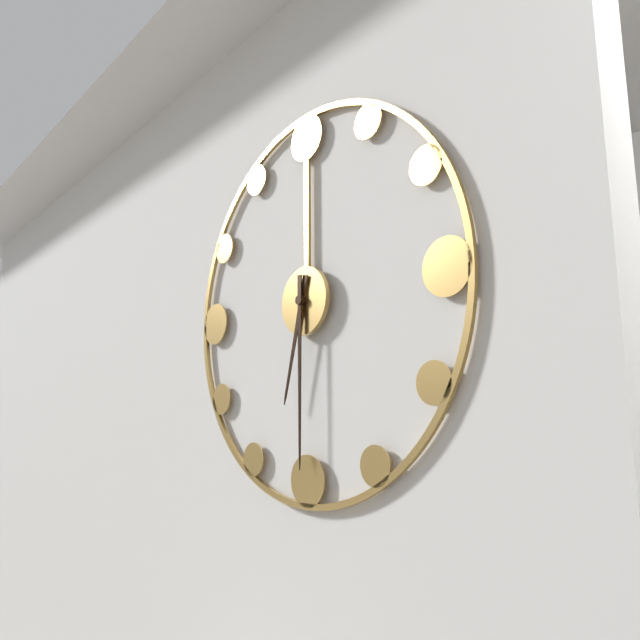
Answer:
6,30
